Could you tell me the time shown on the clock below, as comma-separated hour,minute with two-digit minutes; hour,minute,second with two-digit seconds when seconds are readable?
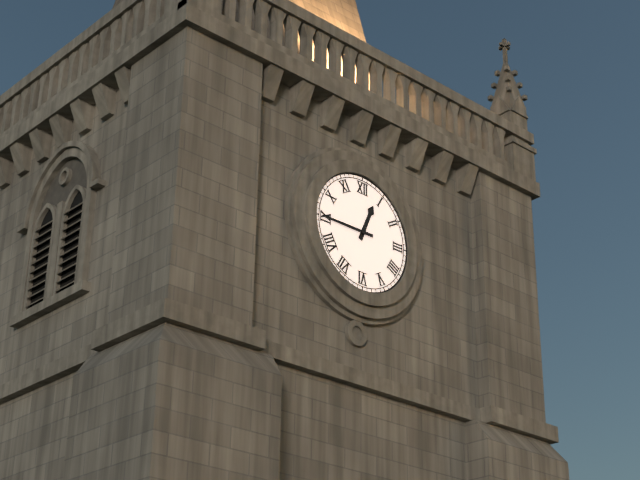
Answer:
12,45
